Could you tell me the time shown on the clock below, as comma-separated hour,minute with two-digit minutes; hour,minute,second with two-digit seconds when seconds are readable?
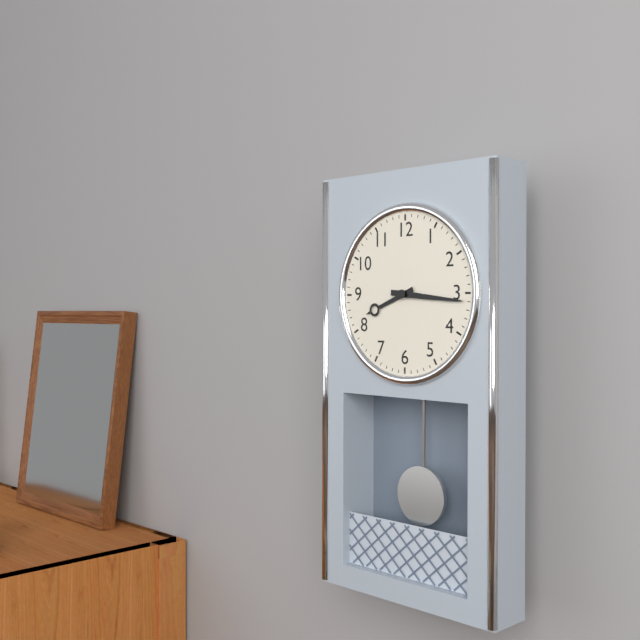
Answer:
8,16
